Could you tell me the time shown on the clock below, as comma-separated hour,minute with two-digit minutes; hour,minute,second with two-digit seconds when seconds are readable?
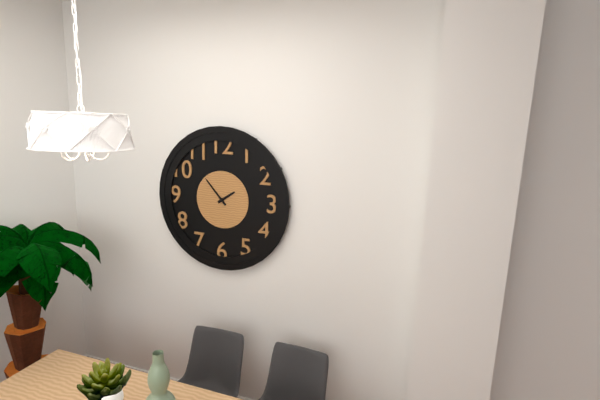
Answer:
1,53
